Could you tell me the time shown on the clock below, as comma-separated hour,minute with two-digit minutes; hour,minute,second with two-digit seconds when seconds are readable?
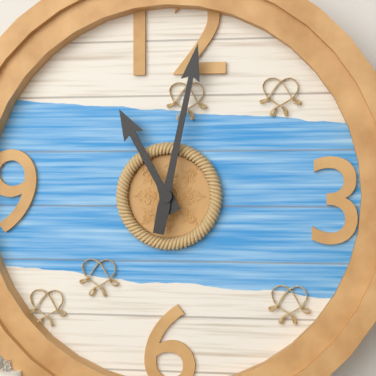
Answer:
11,02
